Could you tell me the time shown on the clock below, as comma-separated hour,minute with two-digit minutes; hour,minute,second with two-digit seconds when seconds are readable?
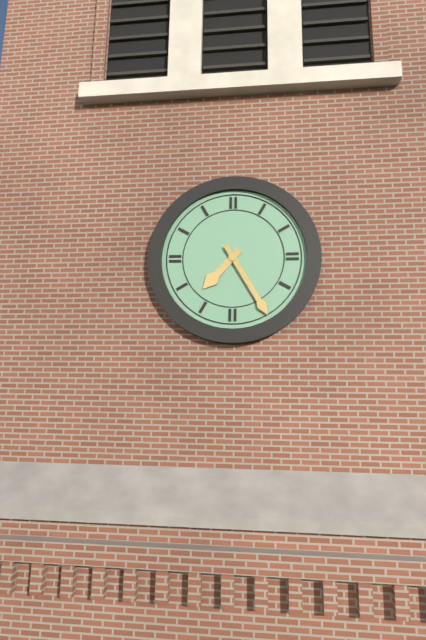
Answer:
7,25
